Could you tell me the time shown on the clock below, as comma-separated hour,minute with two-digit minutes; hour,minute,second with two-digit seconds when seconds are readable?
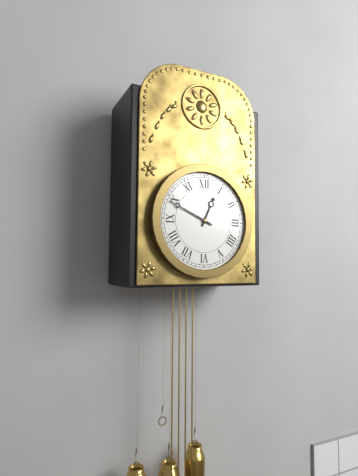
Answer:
12,49
